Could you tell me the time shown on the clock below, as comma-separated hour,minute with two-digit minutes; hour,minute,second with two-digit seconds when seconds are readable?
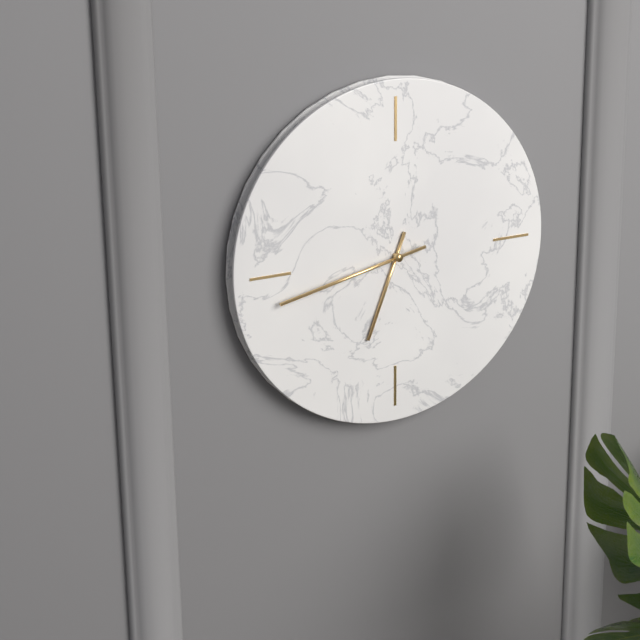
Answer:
6,43
